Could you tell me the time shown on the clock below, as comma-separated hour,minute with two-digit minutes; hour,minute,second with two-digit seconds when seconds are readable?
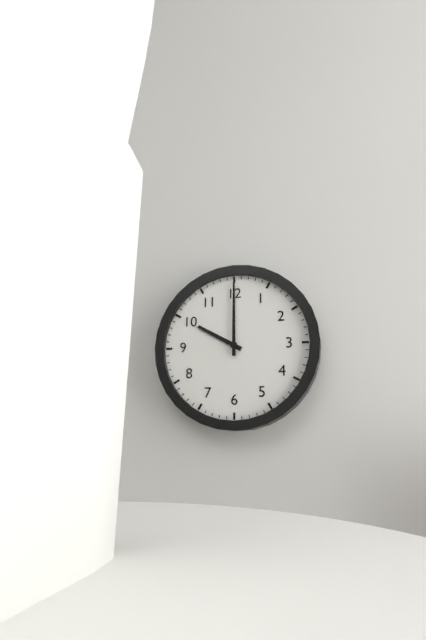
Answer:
10,00
